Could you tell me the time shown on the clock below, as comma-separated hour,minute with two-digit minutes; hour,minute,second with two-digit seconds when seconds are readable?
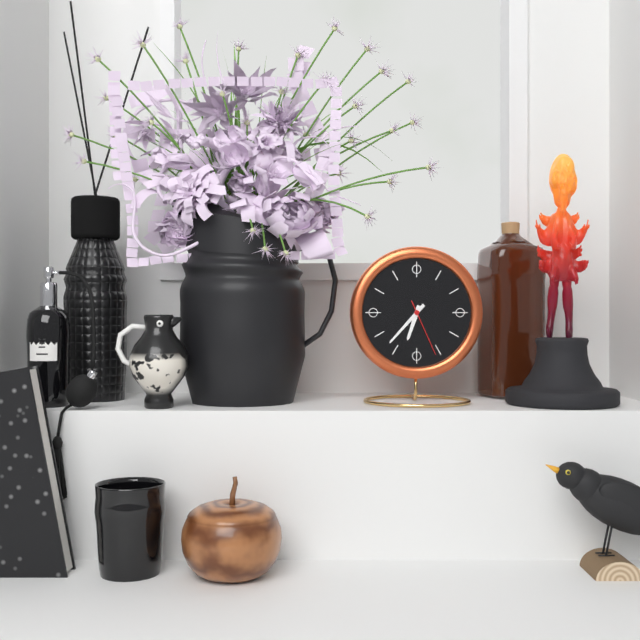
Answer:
6,37,26
